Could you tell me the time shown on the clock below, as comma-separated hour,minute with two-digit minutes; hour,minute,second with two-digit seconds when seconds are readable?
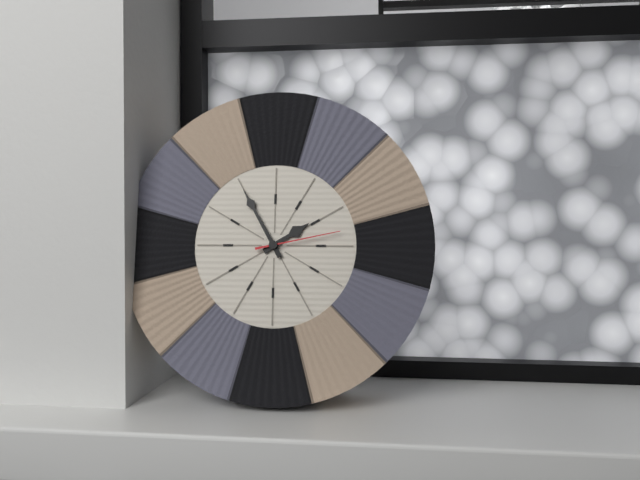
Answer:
1,55,13
